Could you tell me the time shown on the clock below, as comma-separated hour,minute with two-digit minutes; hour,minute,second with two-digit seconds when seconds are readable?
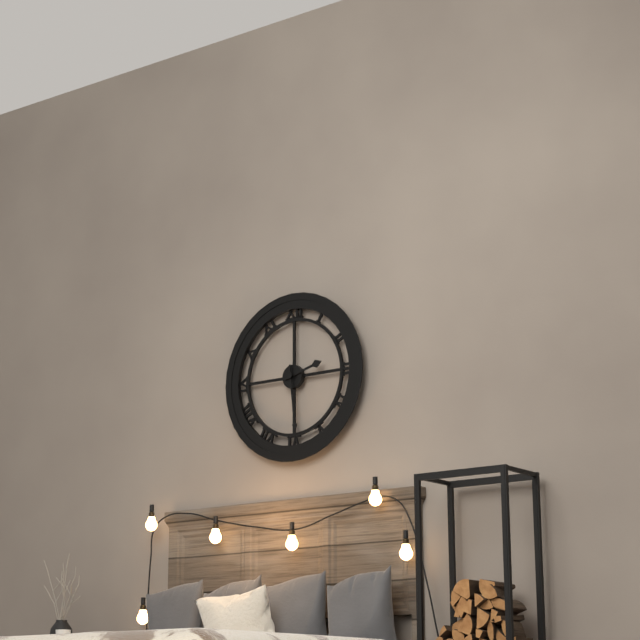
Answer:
2,29
